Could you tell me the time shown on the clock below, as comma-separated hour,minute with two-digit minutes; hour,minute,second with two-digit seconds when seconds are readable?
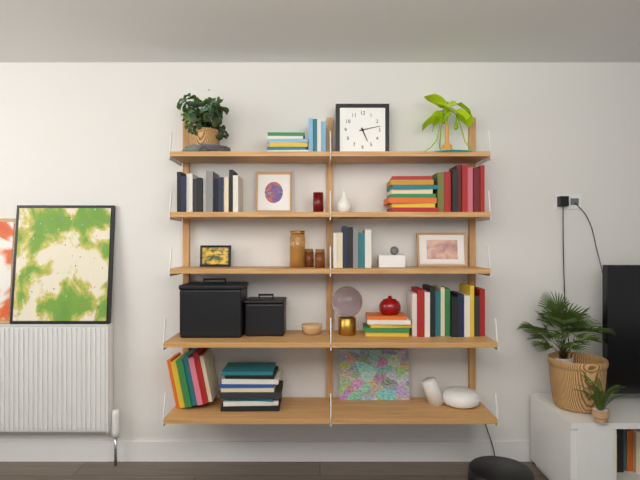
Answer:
5,13
